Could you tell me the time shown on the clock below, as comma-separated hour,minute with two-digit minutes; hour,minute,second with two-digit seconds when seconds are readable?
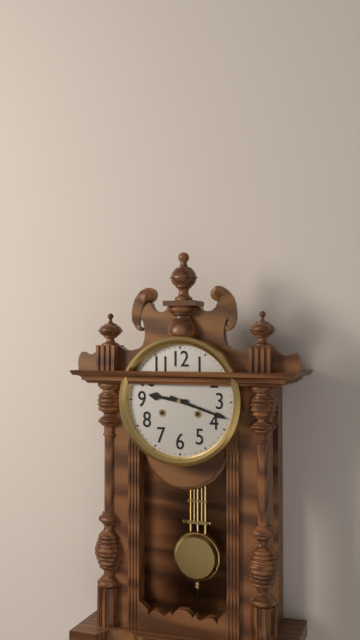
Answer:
9,18
